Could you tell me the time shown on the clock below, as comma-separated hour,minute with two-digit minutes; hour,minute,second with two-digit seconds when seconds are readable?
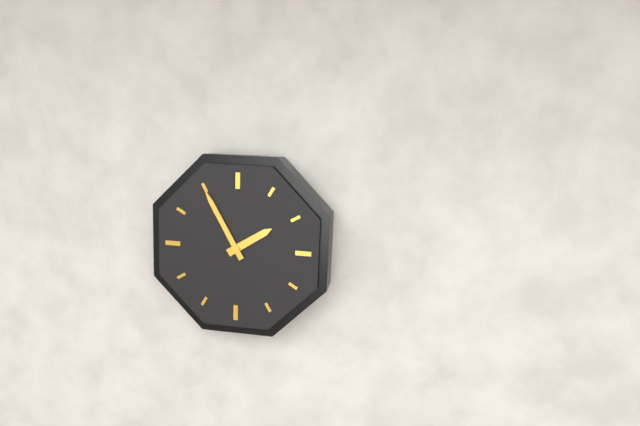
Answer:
1,55
